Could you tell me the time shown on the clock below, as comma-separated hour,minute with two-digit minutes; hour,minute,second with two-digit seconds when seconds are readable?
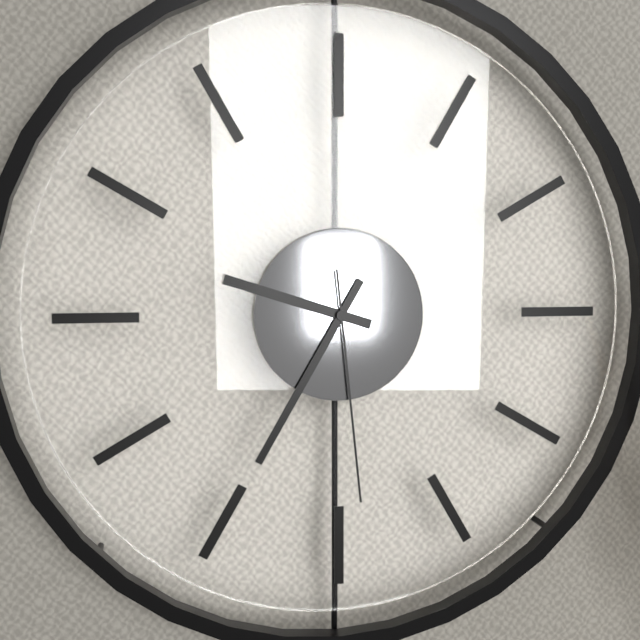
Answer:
9,35,29
